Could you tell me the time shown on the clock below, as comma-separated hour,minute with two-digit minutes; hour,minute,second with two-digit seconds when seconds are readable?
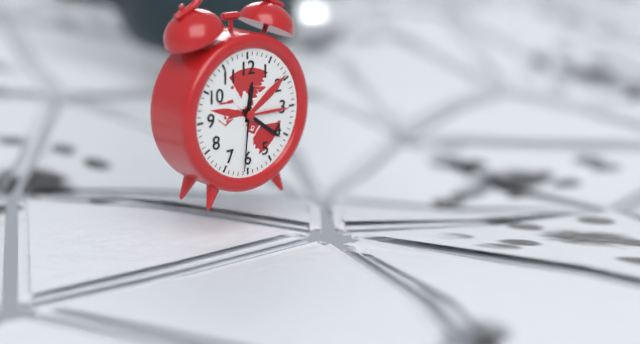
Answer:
12,21,31
